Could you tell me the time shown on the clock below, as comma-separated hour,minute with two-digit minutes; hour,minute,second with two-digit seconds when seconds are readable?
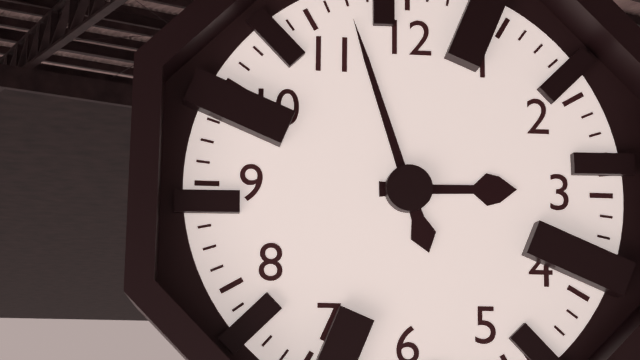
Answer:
2,57
